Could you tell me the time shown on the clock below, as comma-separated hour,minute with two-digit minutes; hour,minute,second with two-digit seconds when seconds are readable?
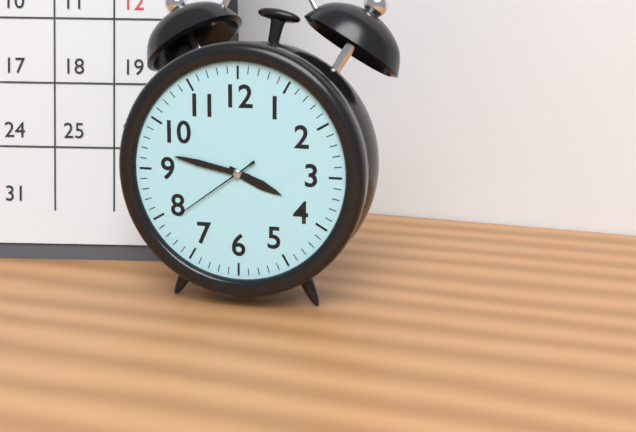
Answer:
3,47,39
